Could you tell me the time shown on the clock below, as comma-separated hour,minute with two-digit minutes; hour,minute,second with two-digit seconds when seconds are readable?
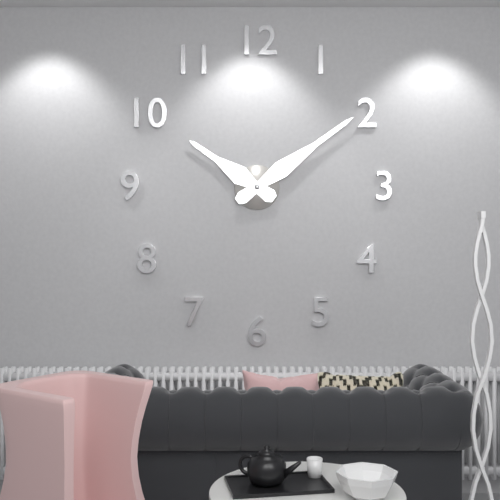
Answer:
10,09
